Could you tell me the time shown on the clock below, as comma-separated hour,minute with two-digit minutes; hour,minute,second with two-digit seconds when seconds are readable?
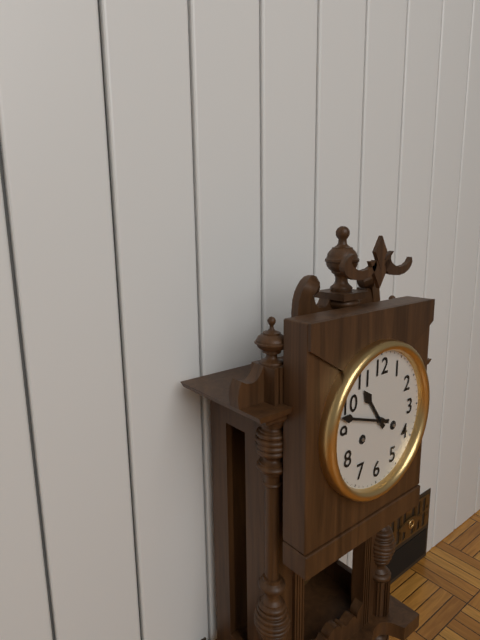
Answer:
10,48
